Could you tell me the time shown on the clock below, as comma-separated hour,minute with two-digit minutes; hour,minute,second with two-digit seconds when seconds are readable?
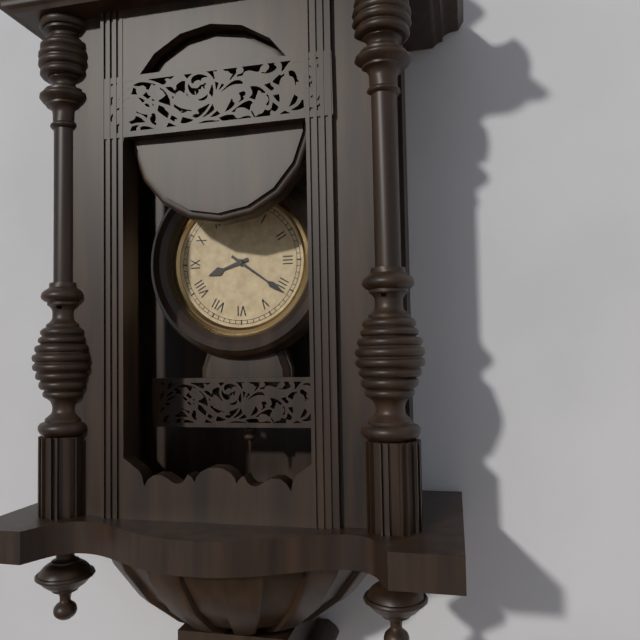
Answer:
8,21
